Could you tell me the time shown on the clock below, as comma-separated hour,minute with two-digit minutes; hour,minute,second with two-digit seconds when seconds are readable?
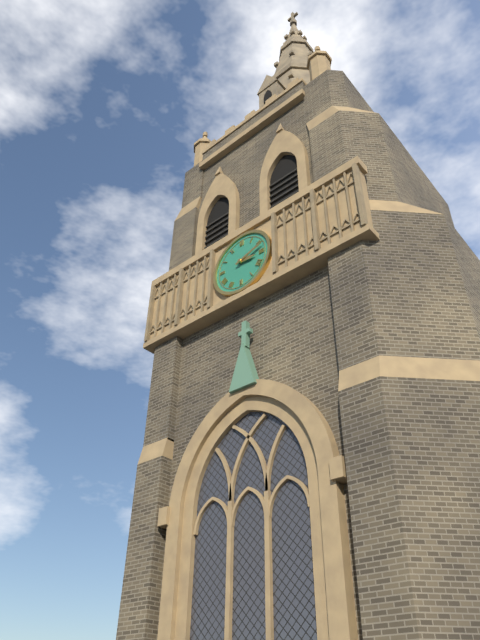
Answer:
3,12
